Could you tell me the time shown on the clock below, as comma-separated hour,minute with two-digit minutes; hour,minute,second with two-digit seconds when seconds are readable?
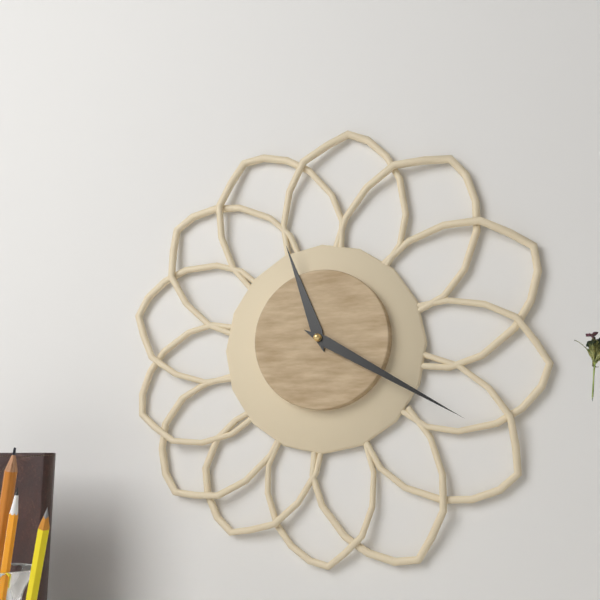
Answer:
11,20
